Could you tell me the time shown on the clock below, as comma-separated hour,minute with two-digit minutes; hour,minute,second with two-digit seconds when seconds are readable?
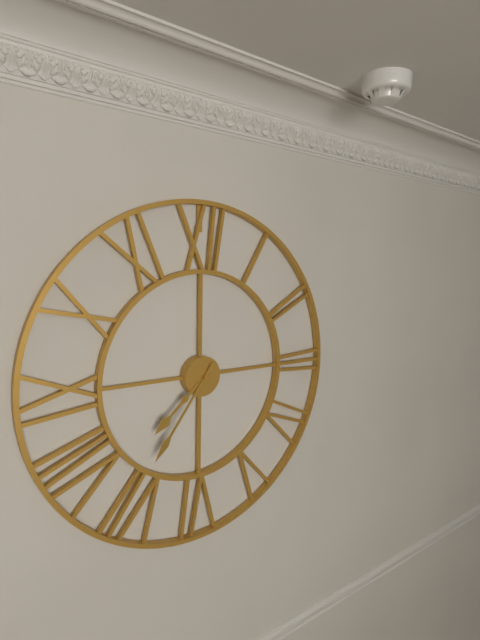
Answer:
7,36
